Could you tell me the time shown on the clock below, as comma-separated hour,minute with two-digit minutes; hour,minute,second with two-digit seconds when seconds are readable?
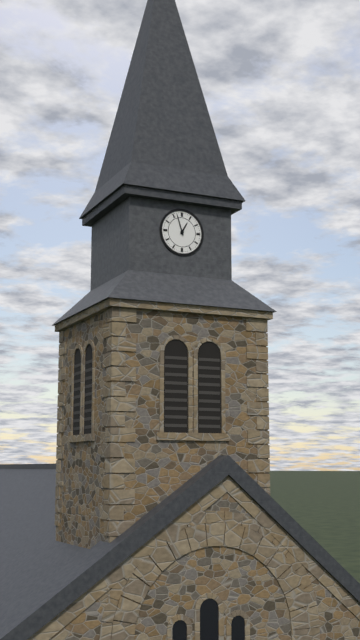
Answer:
12,57
